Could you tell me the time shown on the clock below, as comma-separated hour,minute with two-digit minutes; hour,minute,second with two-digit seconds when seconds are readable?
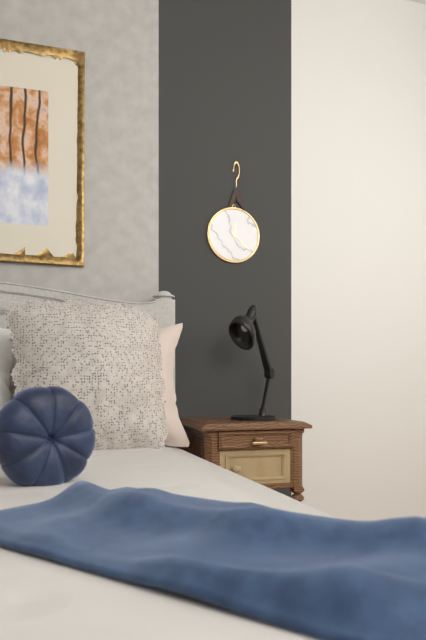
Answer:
12,22
